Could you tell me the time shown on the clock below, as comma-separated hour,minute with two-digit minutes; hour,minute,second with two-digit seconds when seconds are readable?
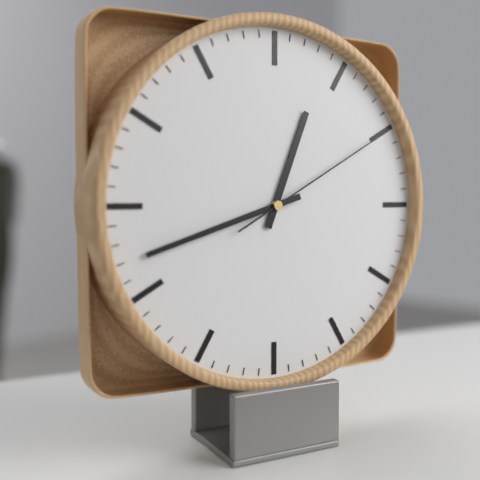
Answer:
12,42,10
